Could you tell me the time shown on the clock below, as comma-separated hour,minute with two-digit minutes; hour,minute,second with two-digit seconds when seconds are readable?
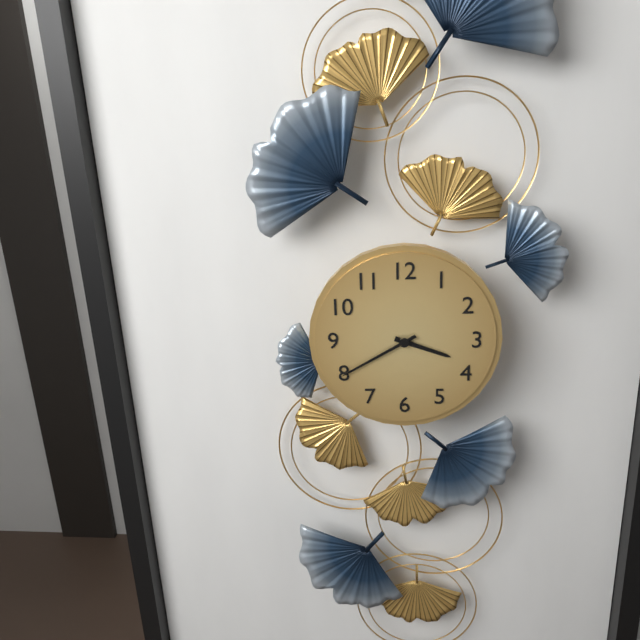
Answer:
3,40
